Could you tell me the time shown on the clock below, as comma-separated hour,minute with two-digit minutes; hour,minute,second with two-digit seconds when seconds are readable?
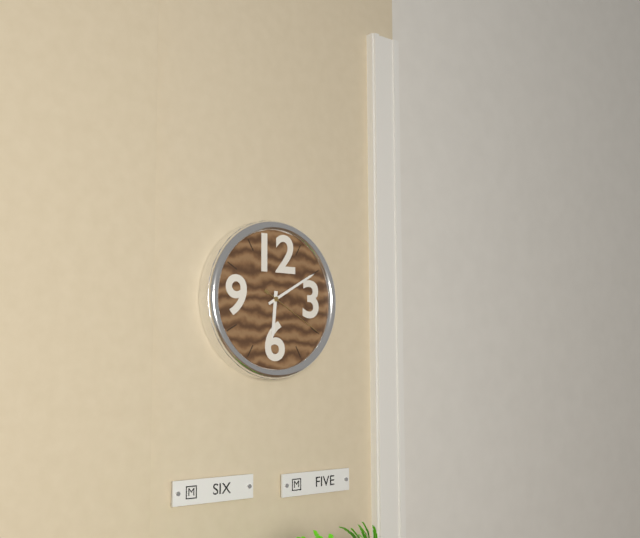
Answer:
6,10,20
